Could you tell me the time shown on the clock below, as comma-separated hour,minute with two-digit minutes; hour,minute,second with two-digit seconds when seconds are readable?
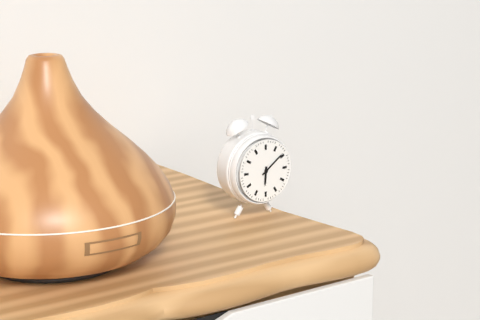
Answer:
6,09
